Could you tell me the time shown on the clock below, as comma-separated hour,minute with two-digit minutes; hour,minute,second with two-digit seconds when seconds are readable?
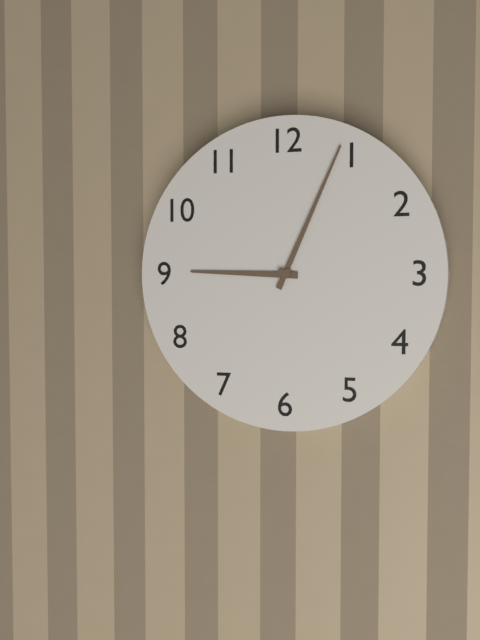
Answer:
9,04
